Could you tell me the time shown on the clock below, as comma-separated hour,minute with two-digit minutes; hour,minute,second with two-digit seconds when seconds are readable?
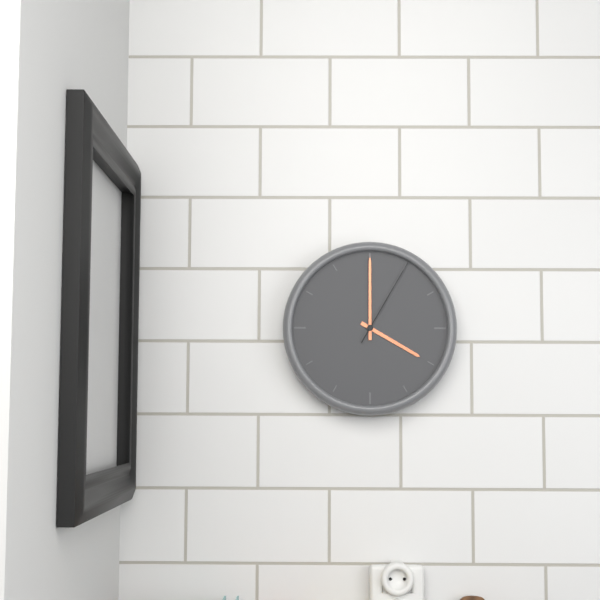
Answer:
4,00,05
